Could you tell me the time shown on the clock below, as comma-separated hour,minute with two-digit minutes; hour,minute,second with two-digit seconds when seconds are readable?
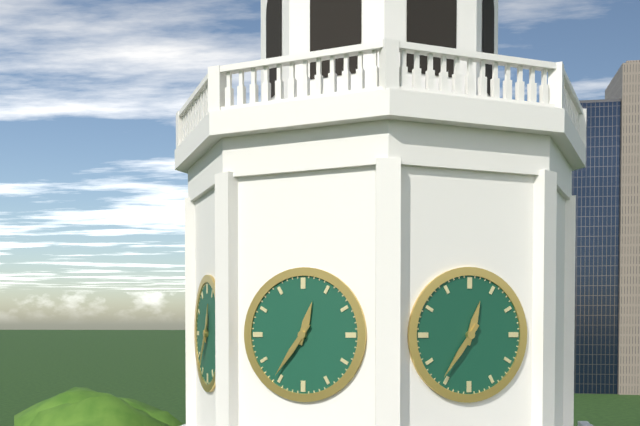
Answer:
12,36
